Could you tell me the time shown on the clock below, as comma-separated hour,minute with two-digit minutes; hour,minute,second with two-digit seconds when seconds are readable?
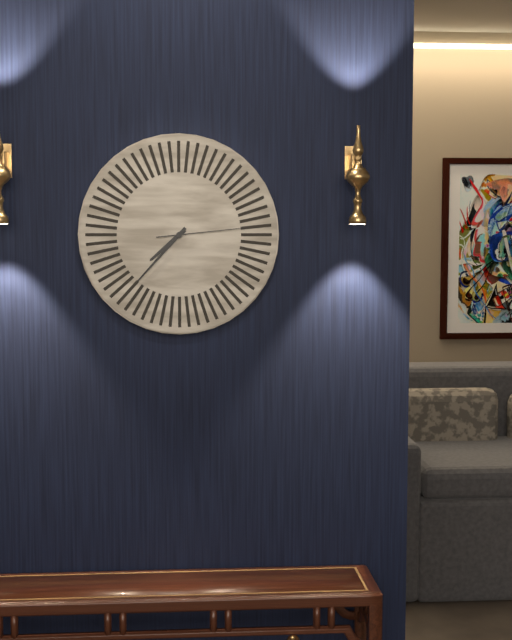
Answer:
7,37,14
